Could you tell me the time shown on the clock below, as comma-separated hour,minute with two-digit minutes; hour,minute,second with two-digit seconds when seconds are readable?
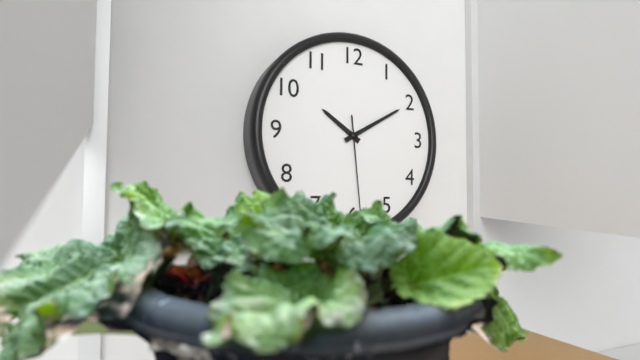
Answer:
10,10,29
